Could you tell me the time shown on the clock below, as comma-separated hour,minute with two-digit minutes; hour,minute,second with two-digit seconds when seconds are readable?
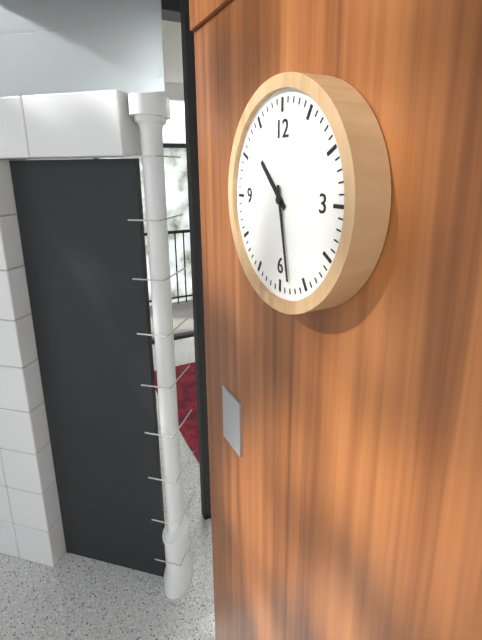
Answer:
10,28
